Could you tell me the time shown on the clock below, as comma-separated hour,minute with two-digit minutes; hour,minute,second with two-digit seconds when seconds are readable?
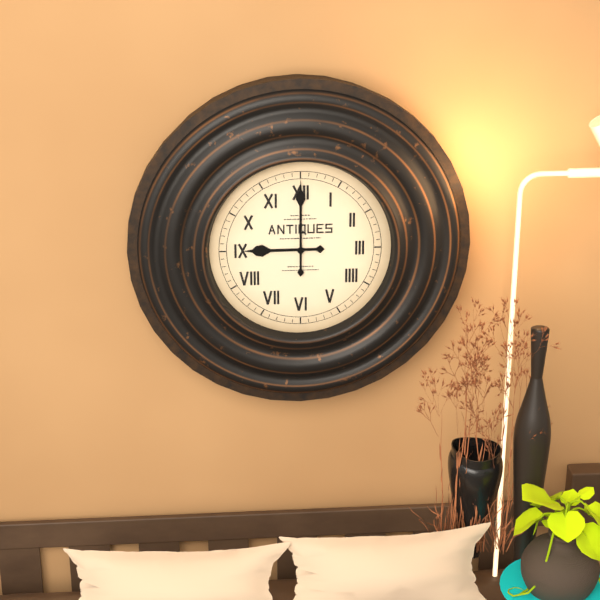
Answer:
9,00
